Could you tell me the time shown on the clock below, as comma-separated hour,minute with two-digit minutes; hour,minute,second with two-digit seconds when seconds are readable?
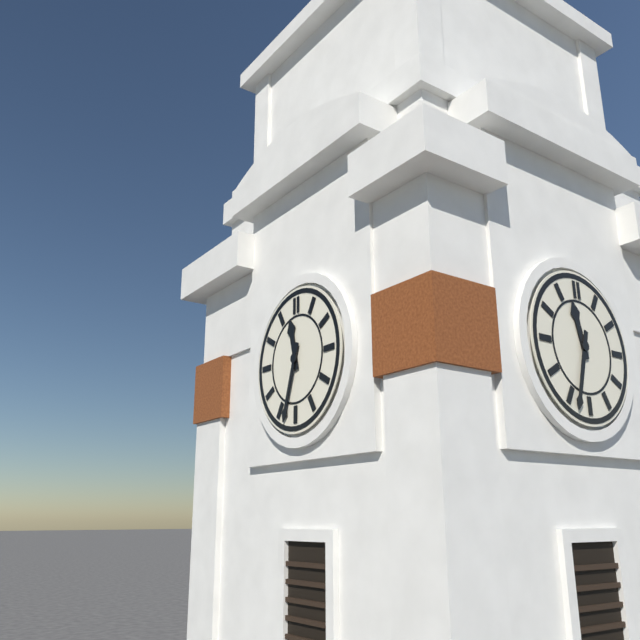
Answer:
11,33
